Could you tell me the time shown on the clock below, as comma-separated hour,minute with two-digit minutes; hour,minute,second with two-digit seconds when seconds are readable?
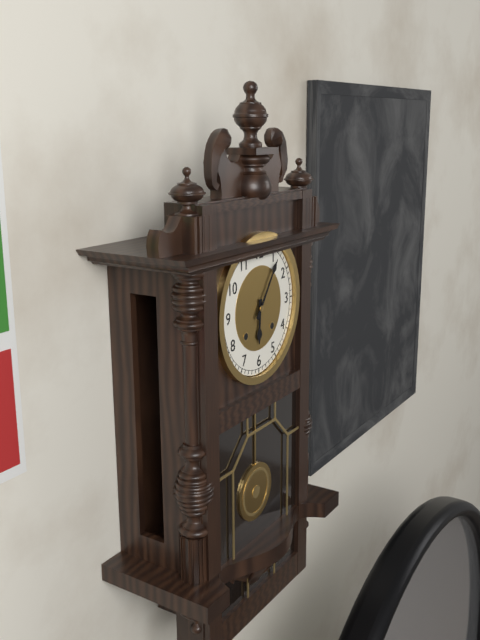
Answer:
6,06
